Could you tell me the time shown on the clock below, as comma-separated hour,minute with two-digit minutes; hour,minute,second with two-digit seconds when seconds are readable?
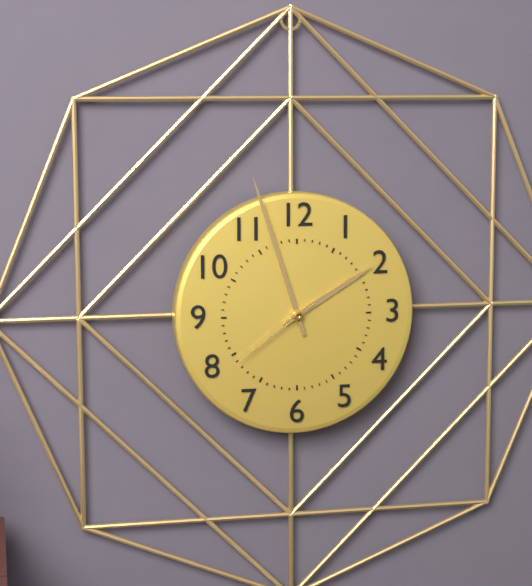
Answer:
1,57,39
